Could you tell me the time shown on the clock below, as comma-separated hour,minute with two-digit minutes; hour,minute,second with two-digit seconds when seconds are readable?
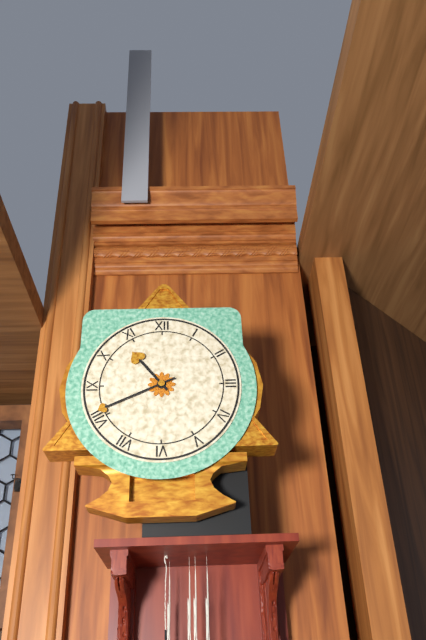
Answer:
10,41
